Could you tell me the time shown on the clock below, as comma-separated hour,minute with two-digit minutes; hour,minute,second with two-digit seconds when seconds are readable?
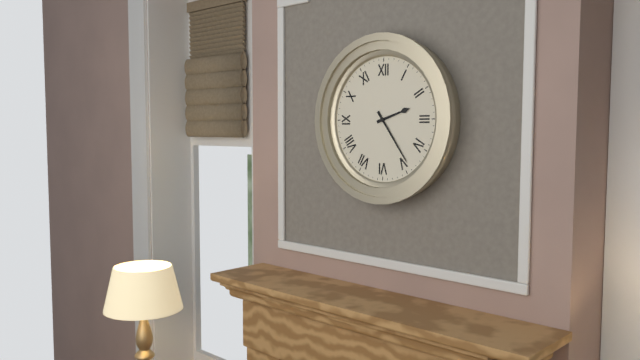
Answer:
2,24
